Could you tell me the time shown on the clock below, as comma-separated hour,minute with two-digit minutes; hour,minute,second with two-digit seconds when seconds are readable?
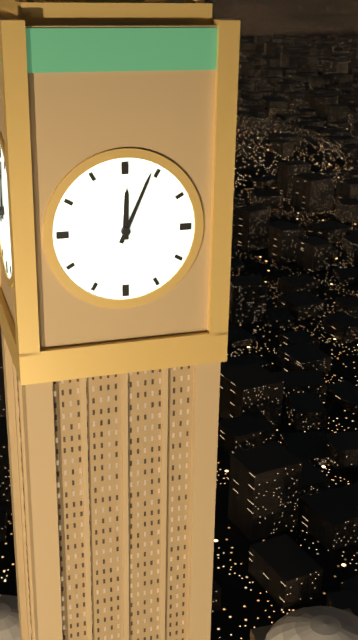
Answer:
12,04
